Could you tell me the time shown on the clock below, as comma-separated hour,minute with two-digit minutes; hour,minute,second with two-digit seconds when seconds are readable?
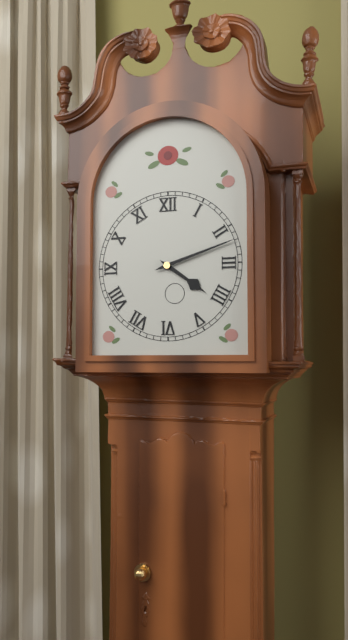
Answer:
4,12
